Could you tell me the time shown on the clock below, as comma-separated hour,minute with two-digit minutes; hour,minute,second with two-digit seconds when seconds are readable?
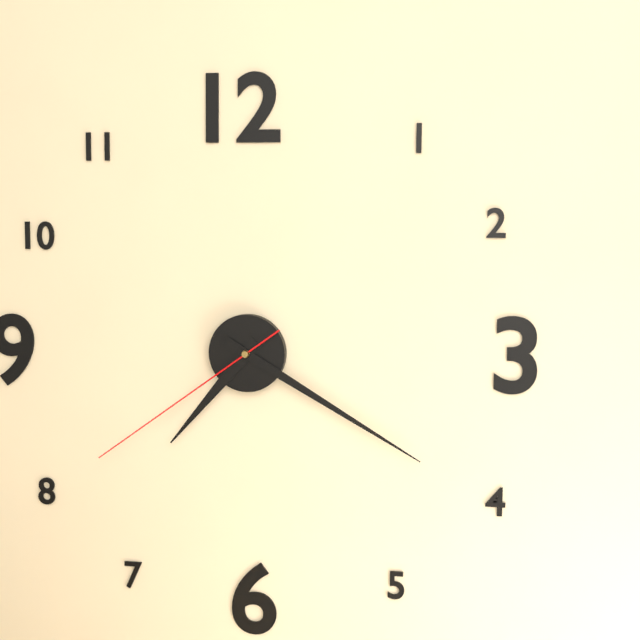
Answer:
7,20,39
